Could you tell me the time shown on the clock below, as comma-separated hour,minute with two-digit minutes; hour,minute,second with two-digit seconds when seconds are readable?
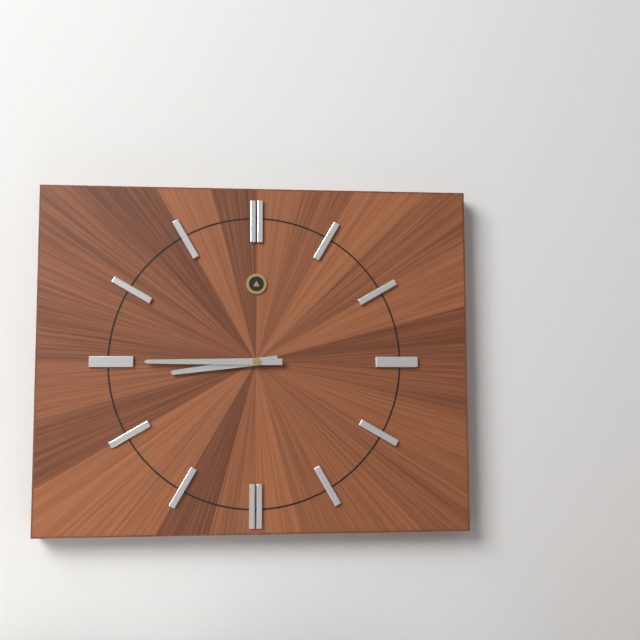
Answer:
8,45
